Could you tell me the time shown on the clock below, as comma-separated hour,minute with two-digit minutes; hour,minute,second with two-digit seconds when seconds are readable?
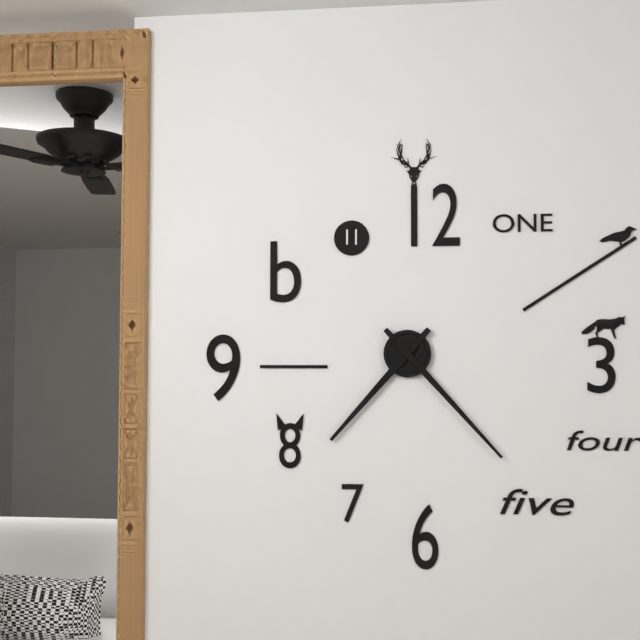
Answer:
7,23
